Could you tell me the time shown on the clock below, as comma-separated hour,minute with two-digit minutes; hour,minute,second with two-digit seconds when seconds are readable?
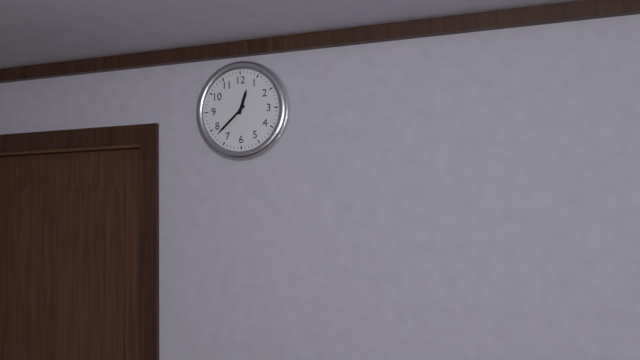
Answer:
12,38
